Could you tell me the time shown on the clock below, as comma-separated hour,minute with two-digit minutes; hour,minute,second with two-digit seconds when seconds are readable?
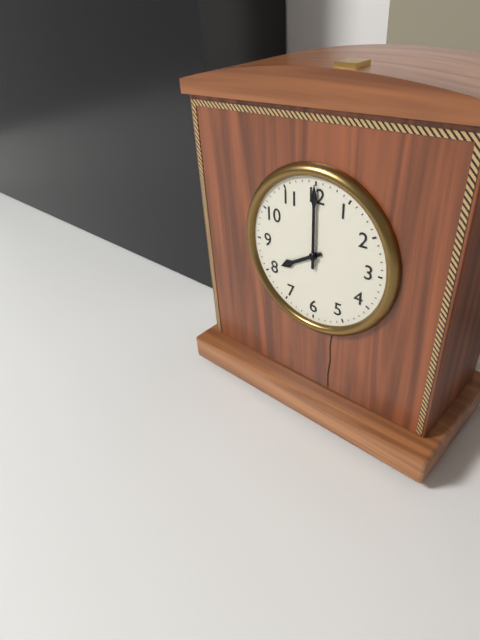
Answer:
8,00
